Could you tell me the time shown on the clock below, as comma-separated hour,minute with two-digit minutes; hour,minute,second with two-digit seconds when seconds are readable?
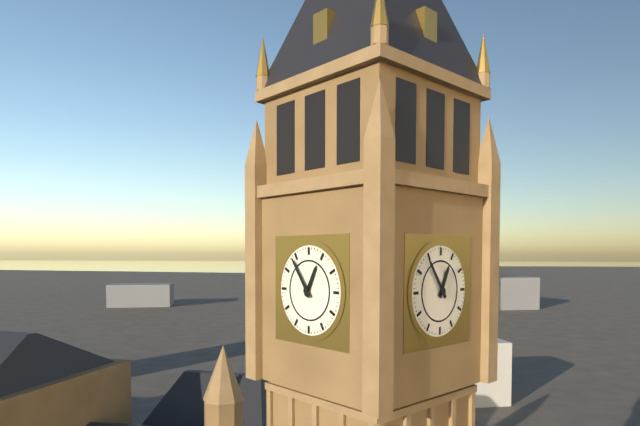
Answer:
12,54
